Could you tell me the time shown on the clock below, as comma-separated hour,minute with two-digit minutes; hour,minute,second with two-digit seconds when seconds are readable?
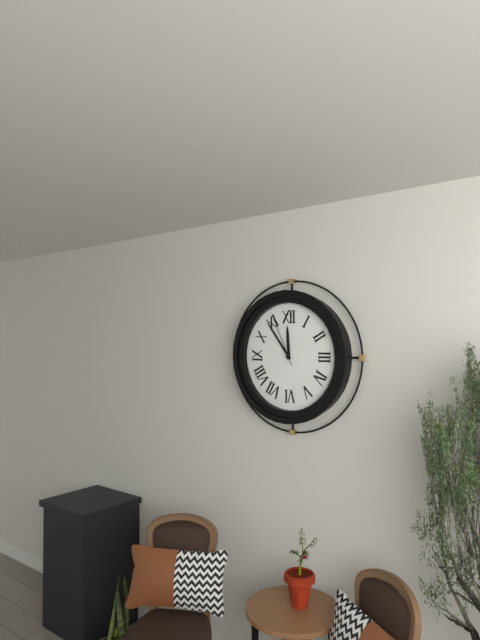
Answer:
11,54,56
